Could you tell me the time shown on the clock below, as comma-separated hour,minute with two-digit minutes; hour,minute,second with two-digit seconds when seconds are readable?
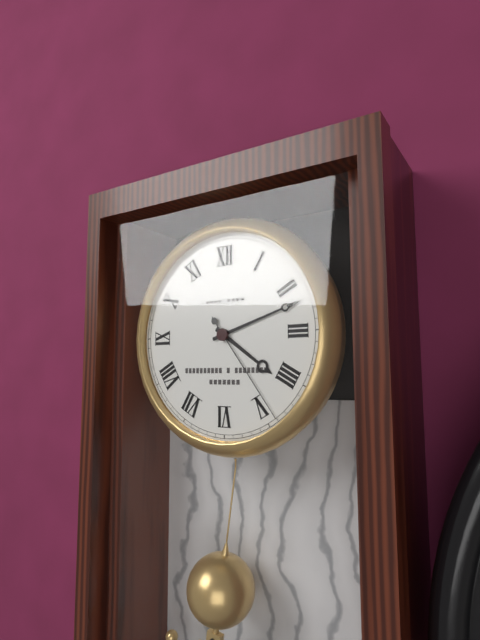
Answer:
4,12,24
